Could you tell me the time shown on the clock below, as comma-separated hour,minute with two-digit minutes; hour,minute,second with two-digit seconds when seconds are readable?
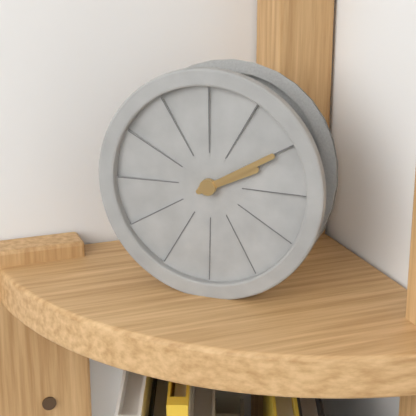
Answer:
2,10
